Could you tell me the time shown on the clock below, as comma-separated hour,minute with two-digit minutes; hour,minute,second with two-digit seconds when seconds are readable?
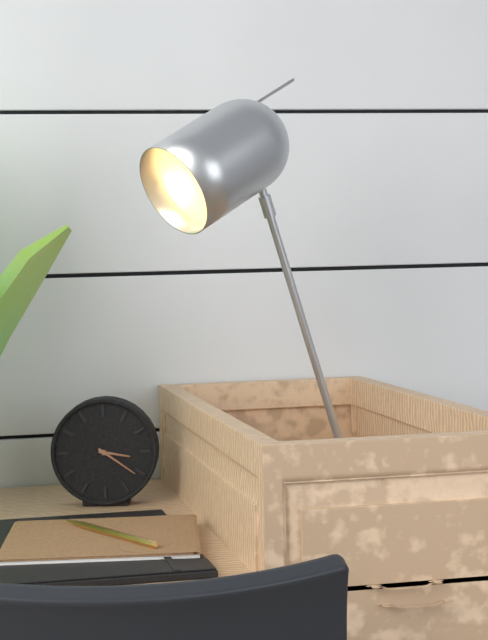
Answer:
3,21
